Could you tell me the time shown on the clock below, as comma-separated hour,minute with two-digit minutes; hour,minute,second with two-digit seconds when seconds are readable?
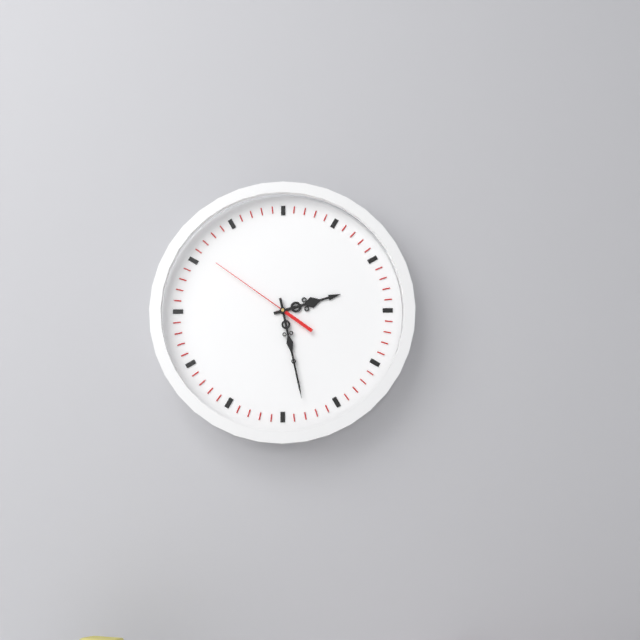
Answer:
2,28,51
